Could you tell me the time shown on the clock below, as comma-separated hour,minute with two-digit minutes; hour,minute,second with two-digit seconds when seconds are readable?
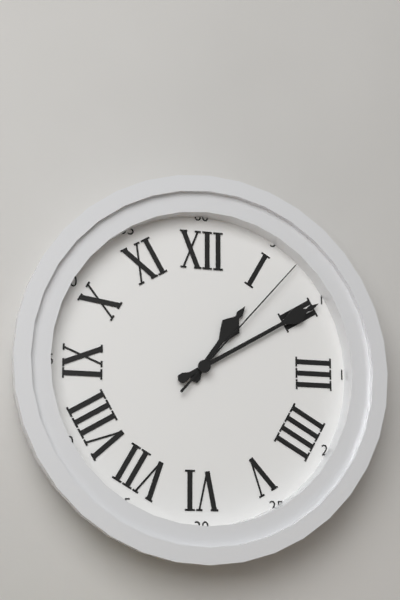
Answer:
1,10,07
